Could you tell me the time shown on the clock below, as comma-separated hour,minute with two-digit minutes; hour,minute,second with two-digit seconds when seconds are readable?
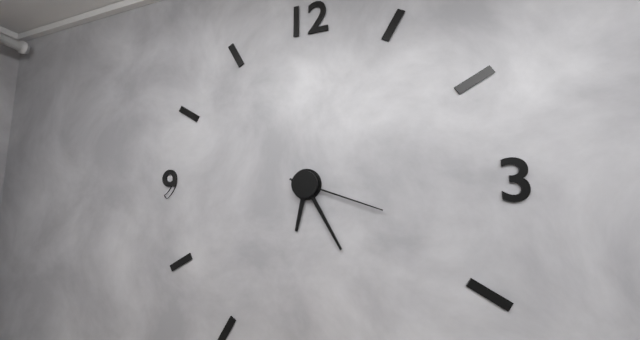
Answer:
6,25,18
